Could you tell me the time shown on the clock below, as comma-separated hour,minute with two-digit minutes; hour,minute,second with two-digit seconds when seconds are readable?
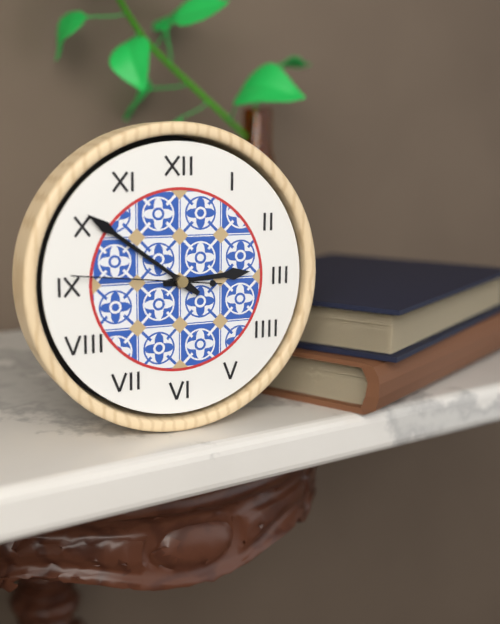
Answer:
2,51,46
